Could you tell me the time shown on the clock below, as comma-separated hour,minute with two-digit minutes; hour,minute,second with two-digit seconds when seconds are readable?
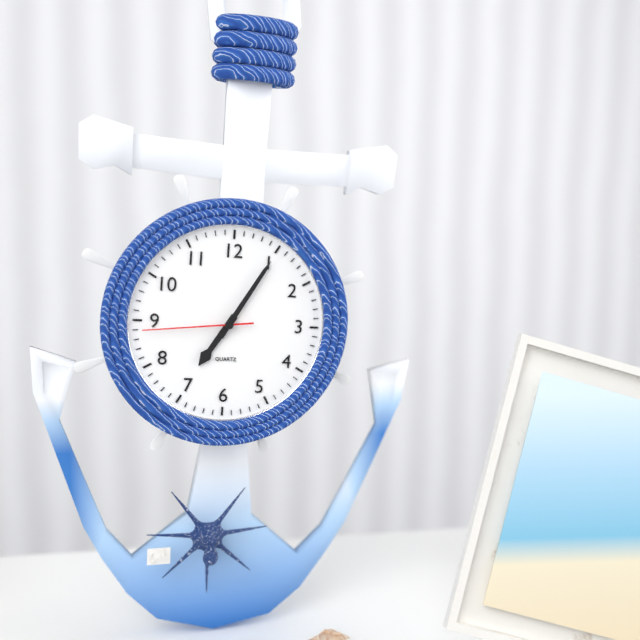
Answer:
7,05,44
